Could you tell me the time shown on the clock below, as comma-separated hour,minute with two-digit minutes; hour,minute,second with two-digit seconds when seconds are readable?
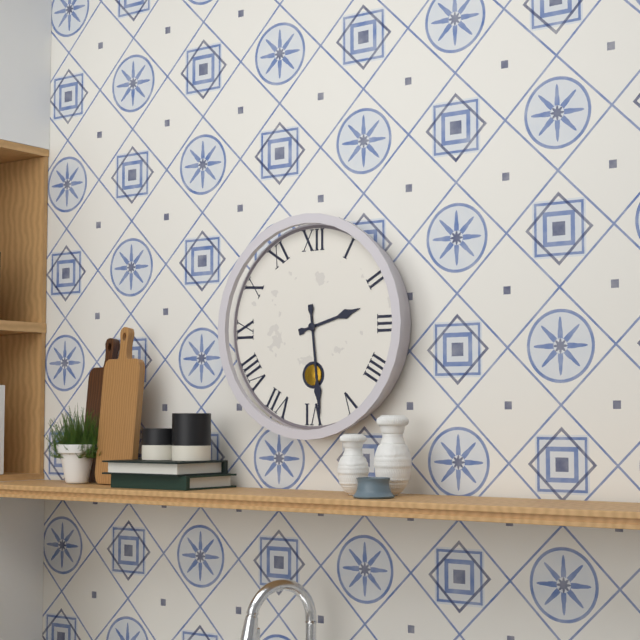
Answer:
2,29
